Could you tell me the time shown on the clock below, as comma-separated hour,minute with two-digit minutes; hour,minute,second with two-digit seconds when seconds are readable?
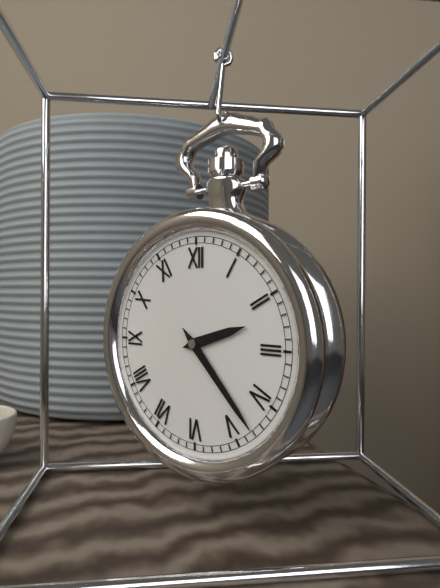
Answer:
2,23
